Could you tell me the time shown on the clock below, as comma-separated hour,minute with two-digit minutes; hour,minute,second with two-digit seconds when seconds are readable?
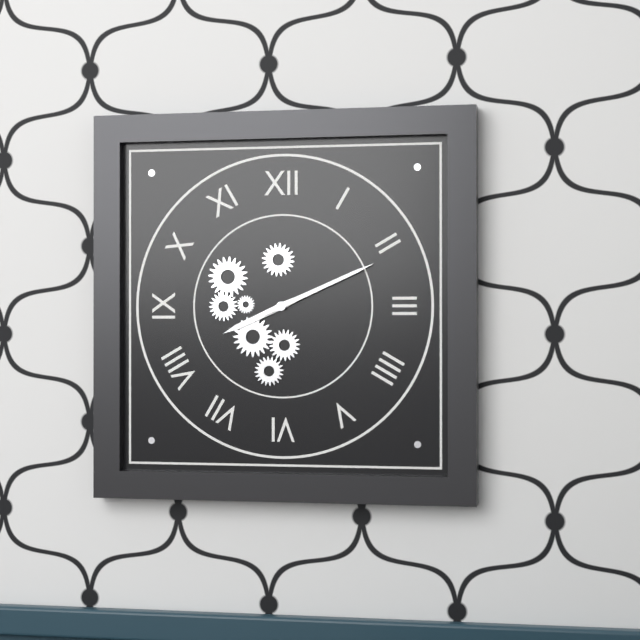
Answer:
8,11
